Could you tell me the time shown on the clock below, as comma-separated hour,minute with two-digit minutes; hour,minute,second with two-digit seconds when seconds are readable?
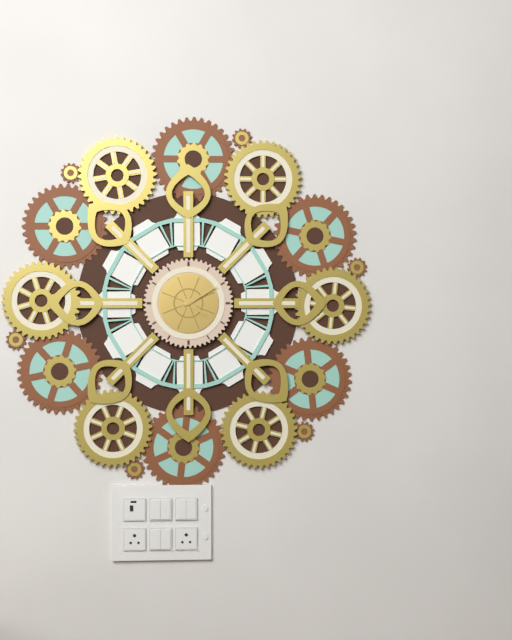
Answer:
4,10
